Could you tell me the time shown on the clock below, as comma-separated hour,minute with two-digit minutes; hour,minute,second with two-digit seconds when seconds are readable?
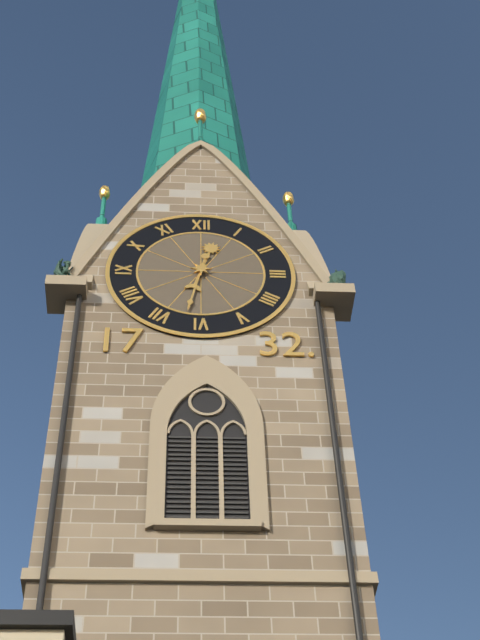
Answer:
12,32
